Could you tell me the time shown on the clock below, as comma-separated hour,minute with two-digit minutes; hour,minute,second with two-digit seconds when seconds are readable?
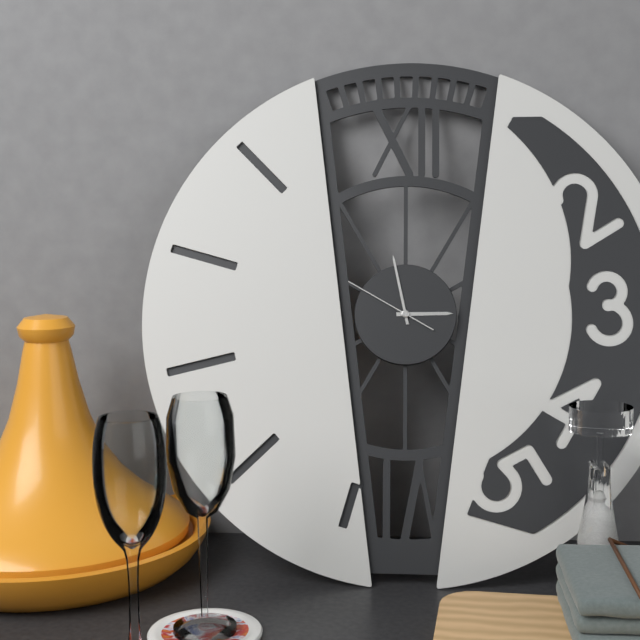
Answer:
2,58,50
